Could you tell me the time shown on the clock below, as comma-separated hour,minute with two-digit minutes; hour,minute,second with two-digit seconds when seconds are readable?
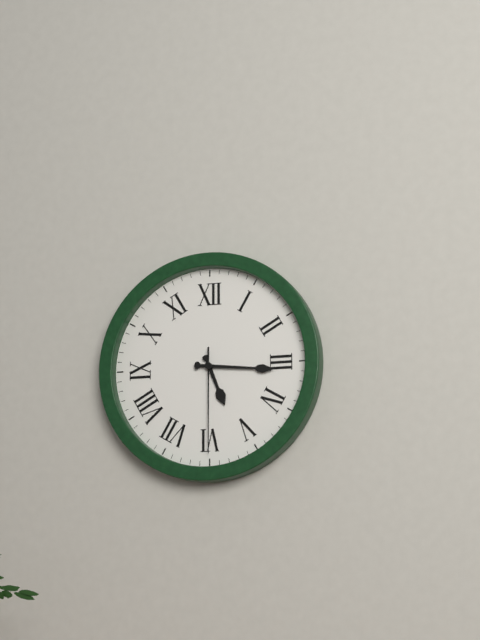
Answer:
5,16,30
